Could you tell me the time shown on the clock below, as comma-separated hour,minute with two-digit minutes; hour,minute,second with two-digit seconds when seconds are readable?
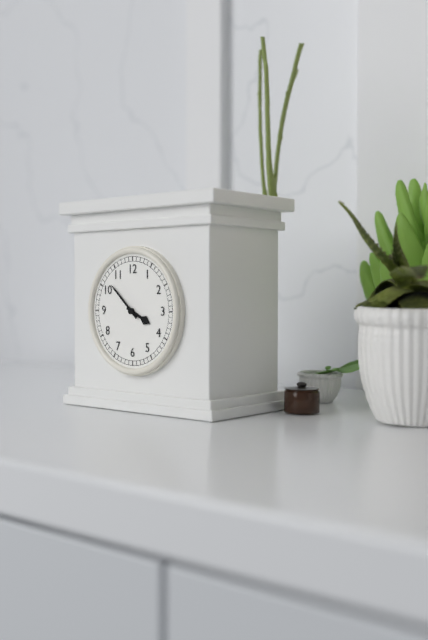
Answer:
3,52
